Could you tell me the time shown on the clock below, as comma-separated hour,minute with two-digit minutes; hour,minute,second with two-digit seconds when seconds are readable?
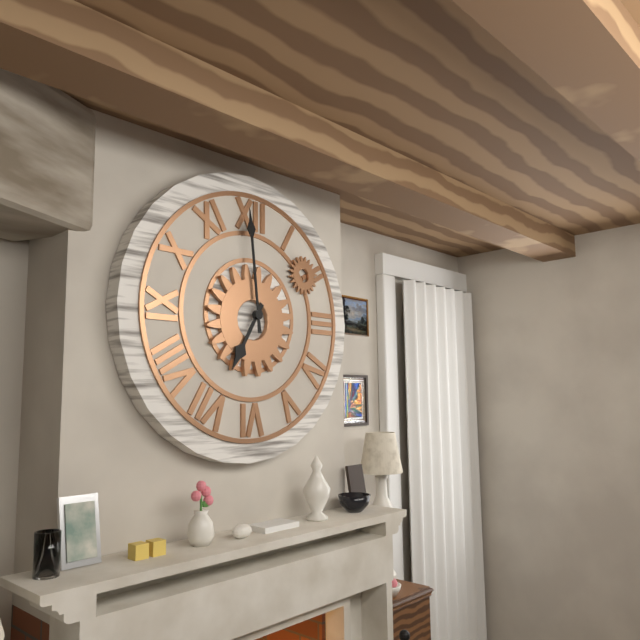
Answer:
6,59
